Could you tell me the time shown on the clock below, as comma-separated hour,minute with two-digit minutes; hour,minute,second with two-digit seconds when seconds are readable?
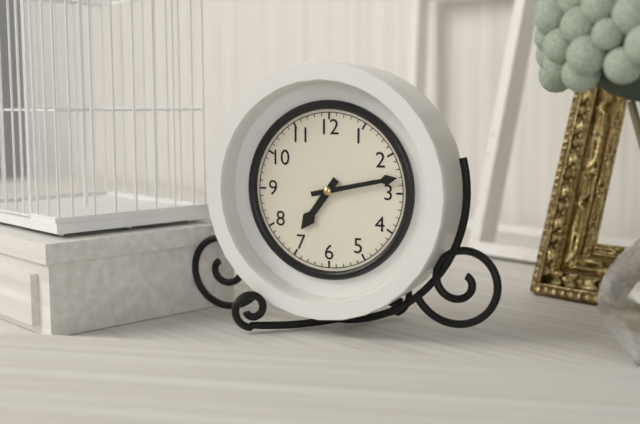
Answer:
7,13
